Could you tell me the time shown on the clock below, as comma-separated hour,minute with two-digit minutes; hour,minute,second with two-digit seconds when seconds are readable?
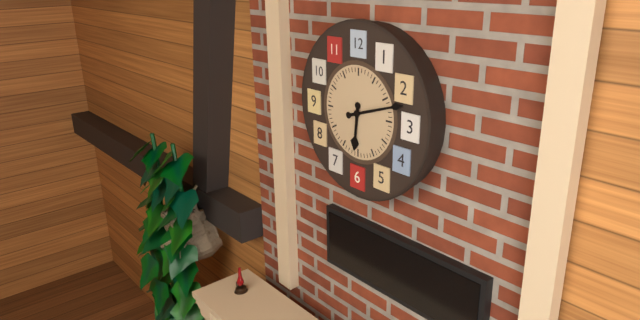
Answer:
6,12
